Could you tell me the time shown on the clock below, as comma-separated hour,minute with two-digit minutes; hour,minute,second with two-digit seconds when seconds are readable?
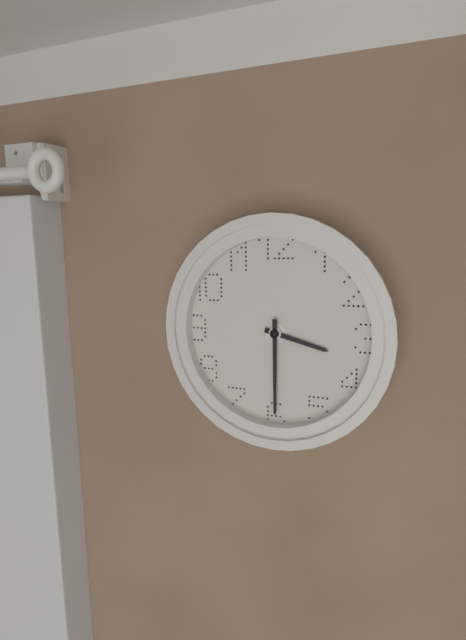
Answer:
3,30
